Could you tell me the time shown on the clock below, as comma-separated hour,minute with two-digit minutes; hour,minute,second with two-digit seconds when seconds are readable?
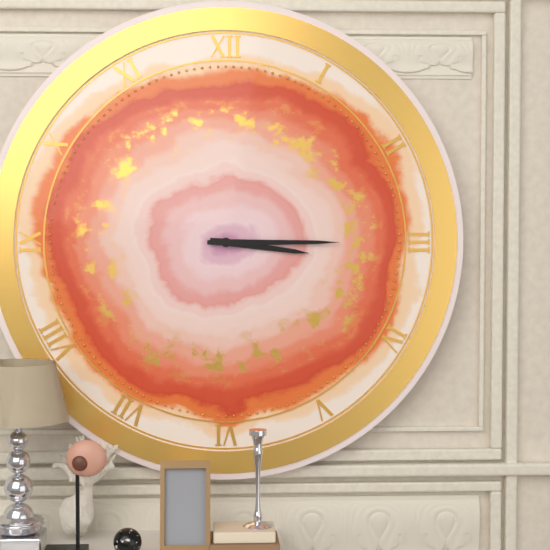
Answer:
3,15
